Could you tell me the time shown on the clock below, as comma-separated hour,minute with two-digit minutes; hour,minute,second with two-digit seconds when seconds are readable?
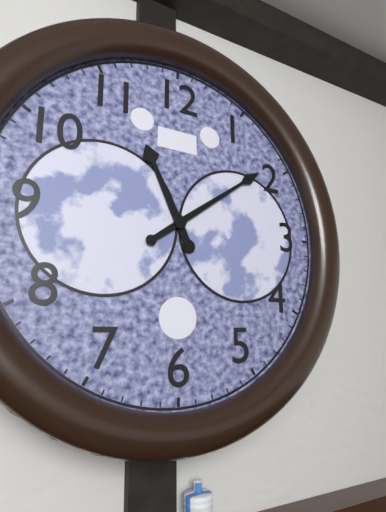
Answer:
11,09
